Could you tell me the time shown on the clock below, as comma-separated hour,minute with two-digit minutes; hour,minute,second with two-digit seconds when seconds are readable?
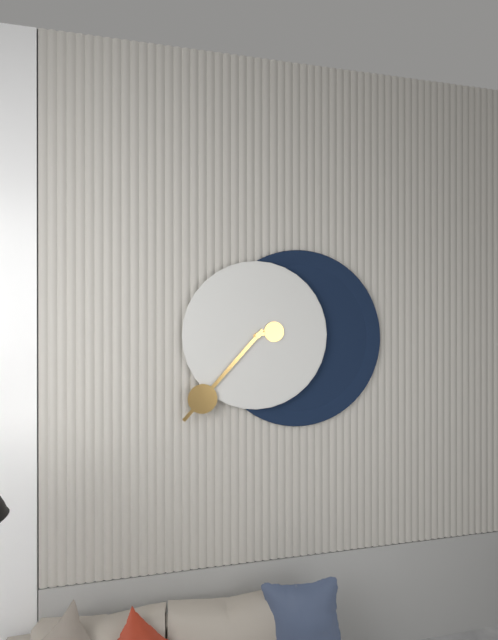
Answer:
2,37
